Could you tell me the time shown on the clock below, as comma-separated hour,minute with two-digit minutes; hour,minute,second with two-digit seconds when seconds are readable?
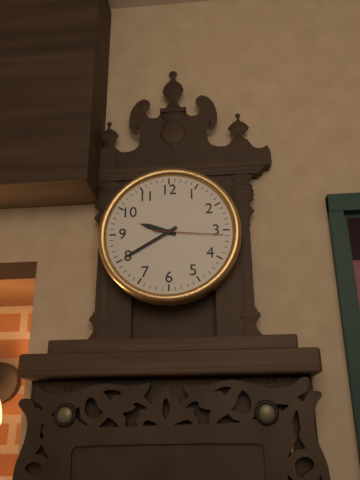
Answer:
9,40,16
